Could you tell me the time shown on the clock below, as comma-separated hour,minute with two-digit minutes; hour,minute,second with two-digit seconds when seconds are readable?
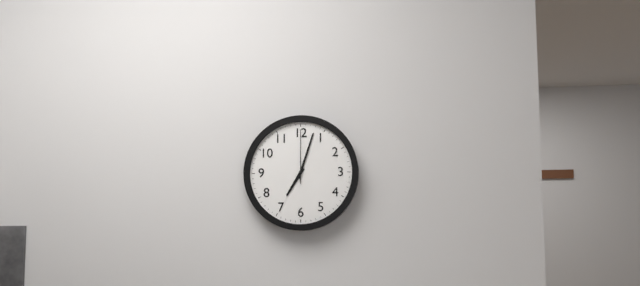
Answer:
7,03,00
